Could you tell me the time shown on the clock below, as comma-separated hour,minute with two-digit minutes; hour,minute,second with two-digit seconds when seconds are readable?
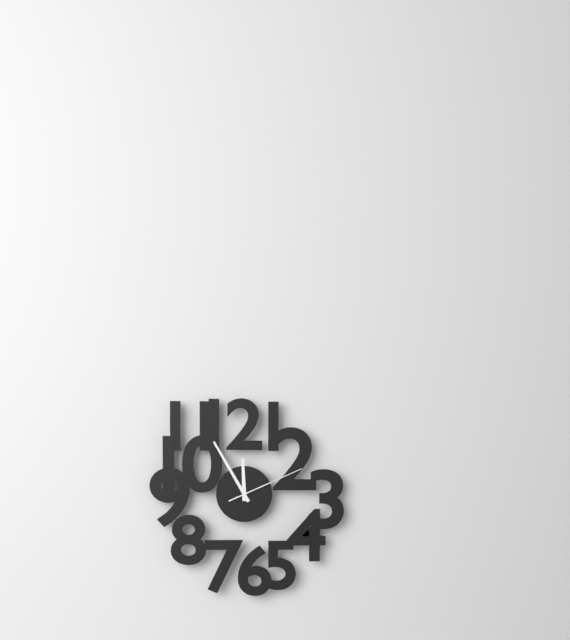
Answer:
11,55,11
